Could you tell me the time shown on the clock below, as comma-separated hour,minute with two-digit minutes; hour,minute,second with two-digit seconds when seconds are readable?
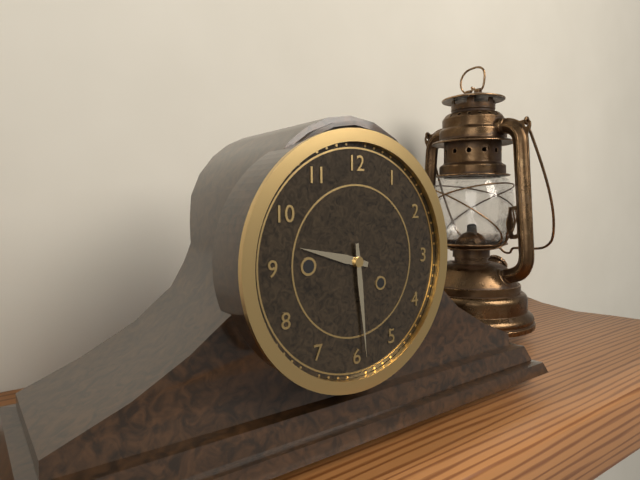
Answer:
9,29
